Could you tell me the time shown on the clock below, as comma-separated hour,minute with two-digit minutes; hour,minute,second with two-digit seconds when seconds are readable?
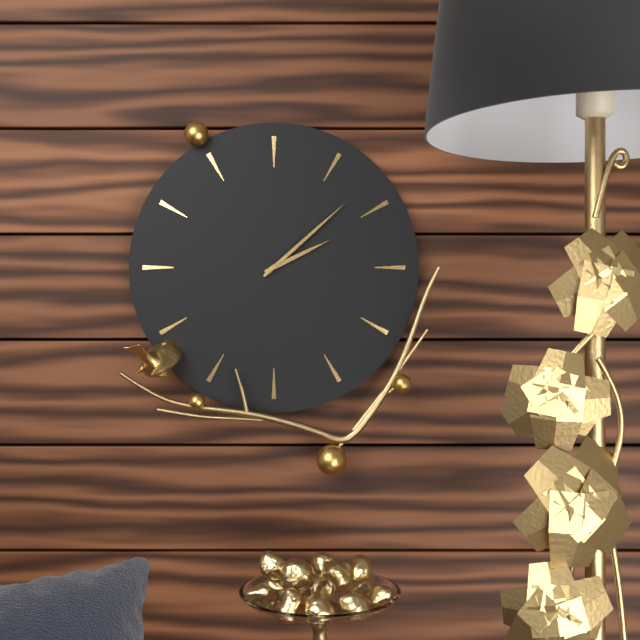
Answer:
2,08
